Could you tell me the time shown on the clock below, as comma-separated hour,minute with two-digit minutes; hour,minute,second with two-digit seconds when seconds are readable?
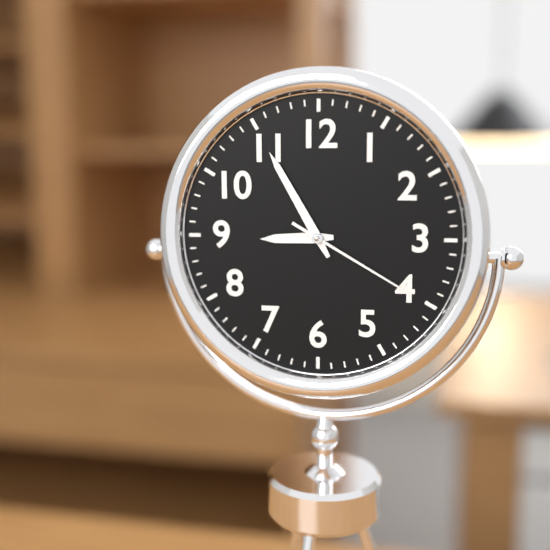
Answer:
8,55,20
